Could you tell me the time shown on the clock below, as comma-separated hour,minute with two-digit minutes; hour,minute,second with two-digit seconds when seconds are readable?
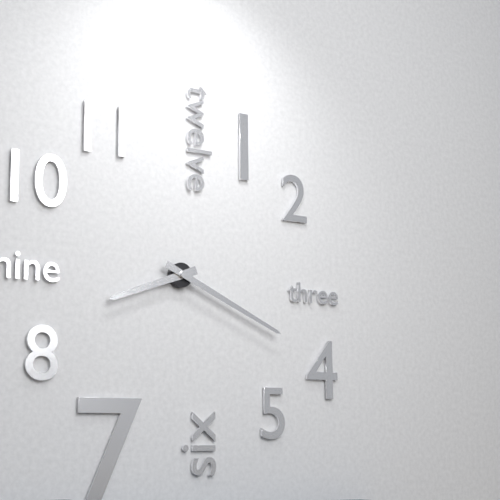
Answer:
8,19
